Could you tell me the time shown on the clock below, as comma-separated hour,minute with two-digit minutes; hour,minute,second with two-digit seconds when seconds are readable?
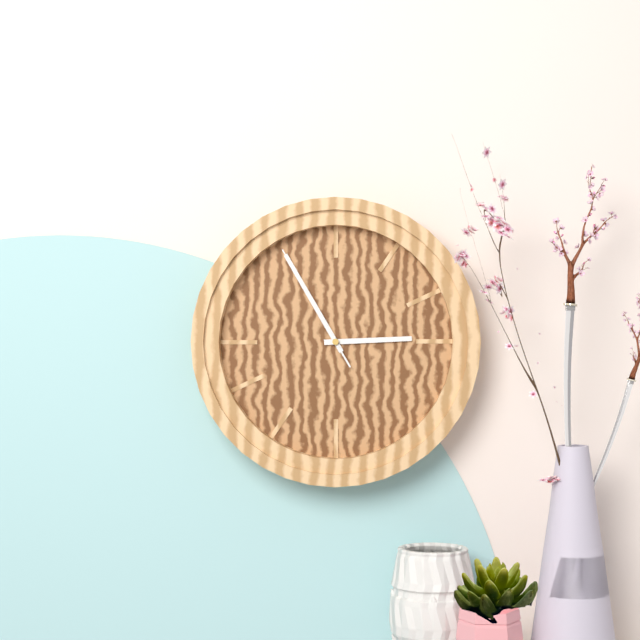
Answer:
2,55,55
